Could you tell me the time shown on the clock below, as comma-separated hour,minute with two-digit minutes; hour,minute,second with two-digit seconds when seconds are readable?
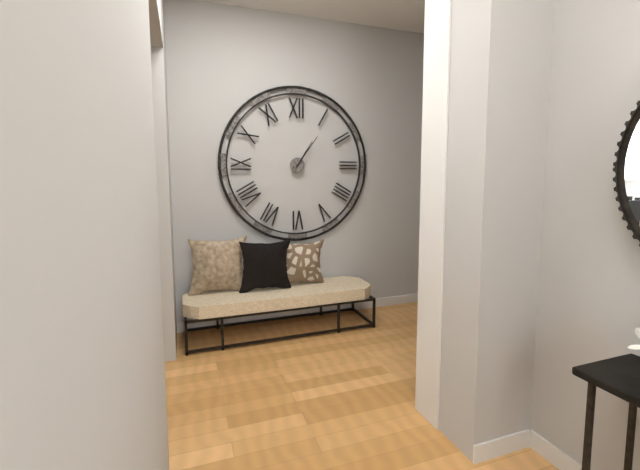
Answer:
1,06
